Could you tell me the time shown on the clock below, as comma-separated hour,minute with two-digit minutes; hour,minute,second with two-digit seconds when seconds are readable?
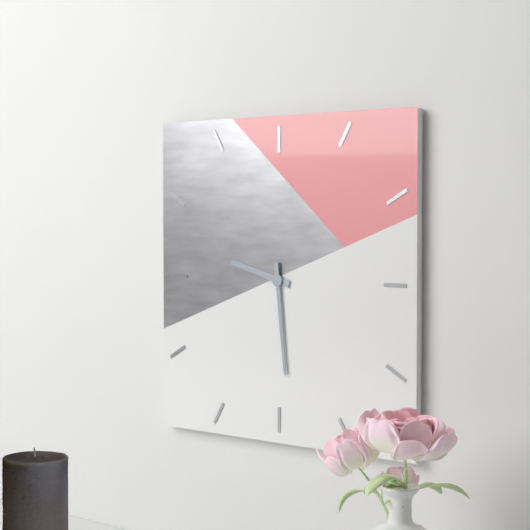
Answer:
9,29
